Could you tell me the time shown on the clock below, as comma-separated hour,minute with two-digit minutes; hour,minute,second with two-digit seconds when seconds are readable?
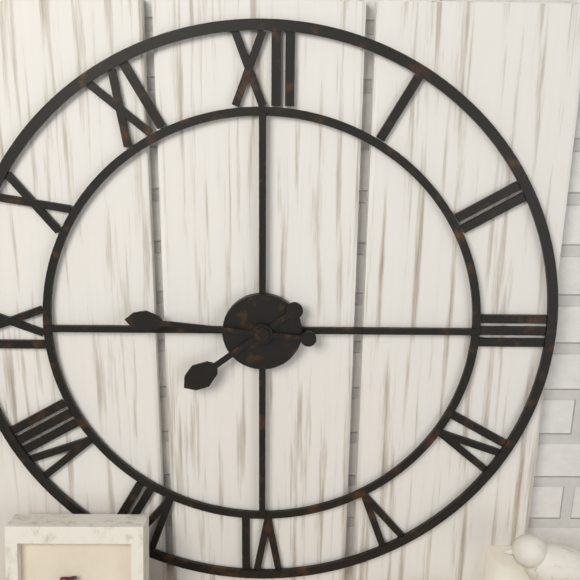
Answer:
7,46
